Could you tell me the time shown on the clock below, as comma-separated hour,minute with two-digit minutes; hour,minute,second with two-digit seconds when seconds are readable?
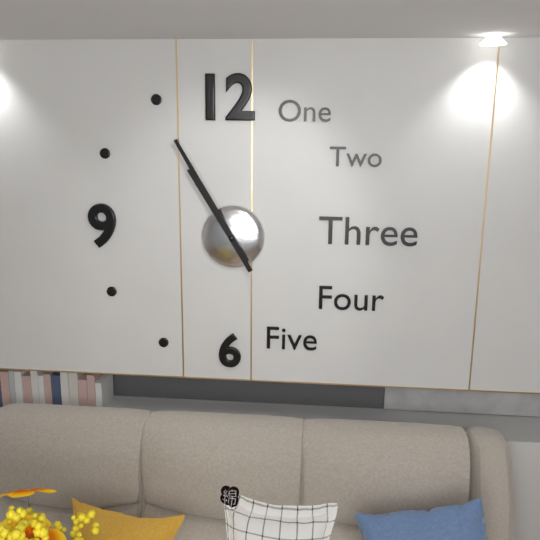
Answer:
10,55
